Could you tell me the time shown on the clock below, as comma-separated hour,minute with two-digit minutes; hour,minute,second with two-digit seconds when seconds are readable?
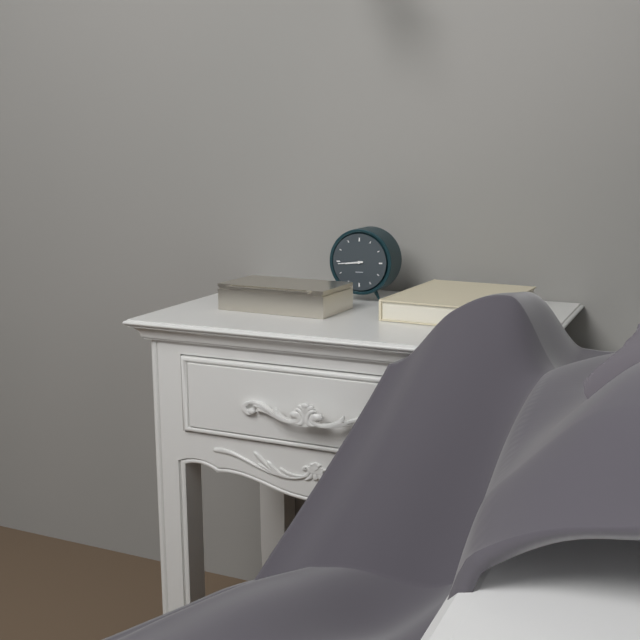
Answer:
8,44
